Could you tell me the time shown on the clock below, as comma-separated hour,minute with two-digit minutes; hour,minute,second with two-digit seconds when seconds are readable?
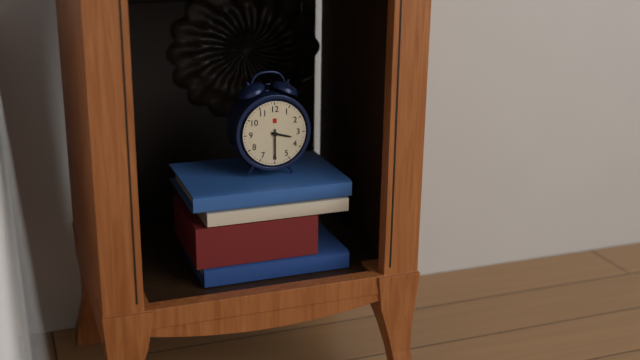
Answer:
3,30
